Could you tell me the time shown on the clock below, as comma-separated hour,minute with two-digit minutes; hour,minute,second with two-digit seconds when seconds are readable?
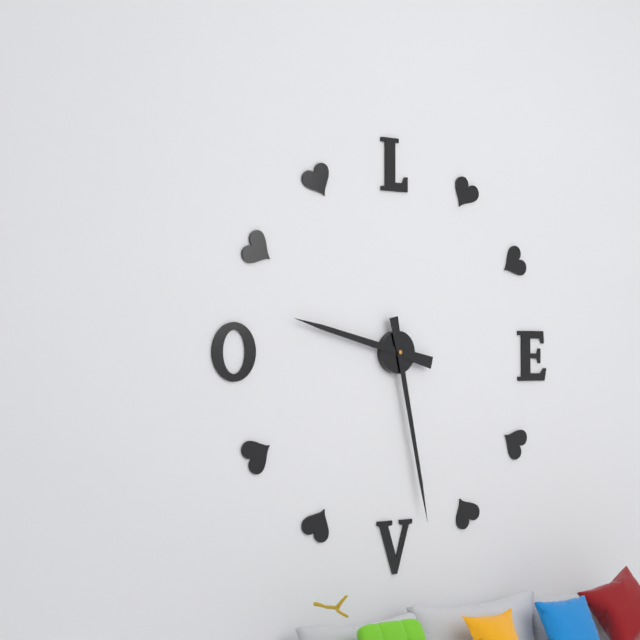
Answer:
9,28
